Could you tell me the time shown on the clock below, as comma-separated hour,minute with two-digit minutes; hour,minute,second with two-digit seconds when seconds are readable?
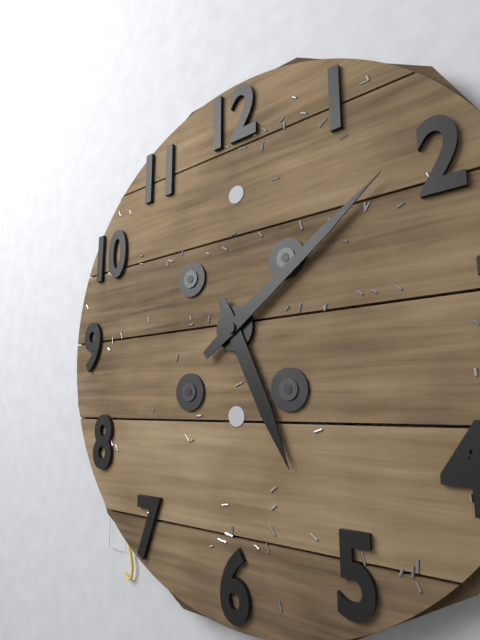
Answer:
5,09
